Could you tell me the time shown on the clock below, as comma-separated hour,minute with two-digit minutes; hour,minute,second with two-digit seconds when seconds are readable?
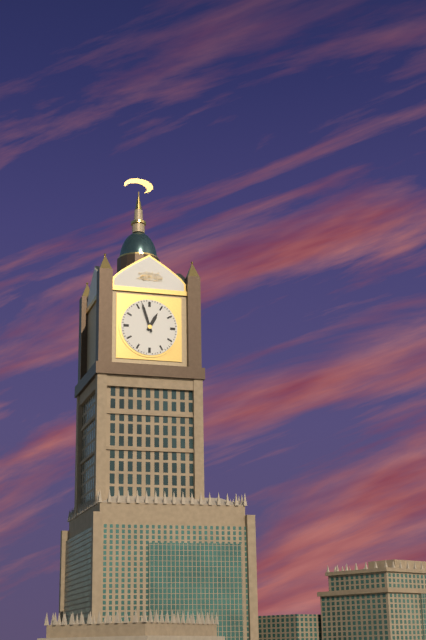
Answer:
12,57
